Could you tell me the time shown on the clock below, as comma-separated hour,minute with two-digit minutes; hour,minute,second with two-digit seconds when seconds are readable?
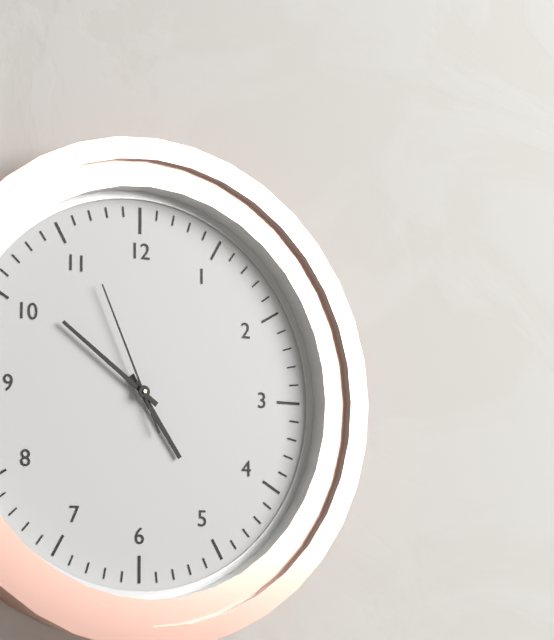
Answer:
4,51,56
